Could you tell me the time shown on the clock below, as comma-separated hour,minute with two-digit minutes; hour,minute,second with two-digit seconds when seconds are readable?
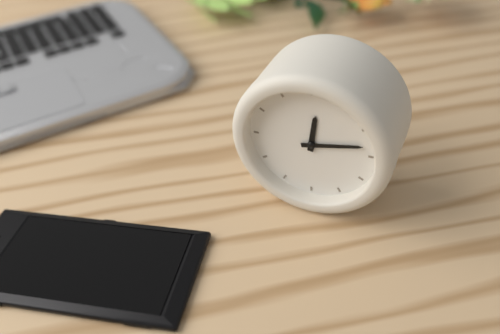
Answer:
12,13
